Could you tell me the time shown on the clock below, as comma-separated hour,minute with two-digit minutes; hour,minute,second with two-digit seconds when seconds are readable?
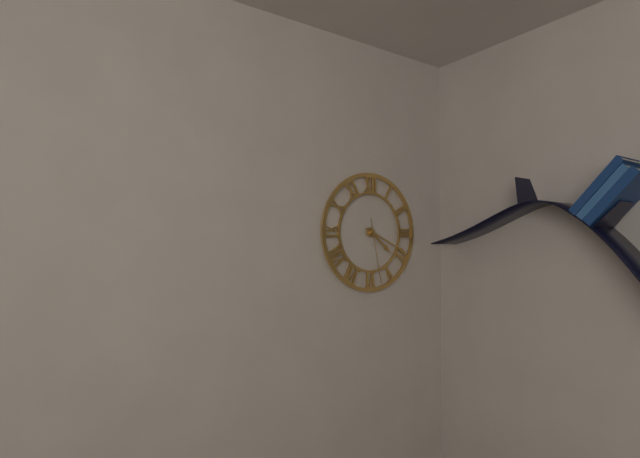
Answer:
4,19,28
